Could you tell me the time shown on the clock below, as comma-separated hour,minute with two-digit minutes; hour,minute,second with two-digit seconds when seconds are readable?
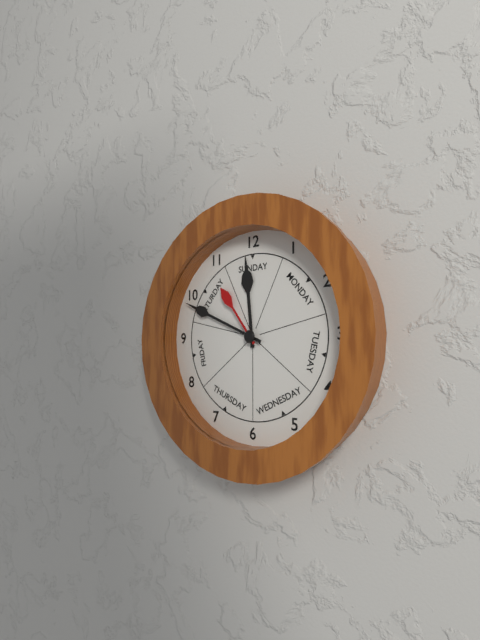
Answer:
11,49,54
